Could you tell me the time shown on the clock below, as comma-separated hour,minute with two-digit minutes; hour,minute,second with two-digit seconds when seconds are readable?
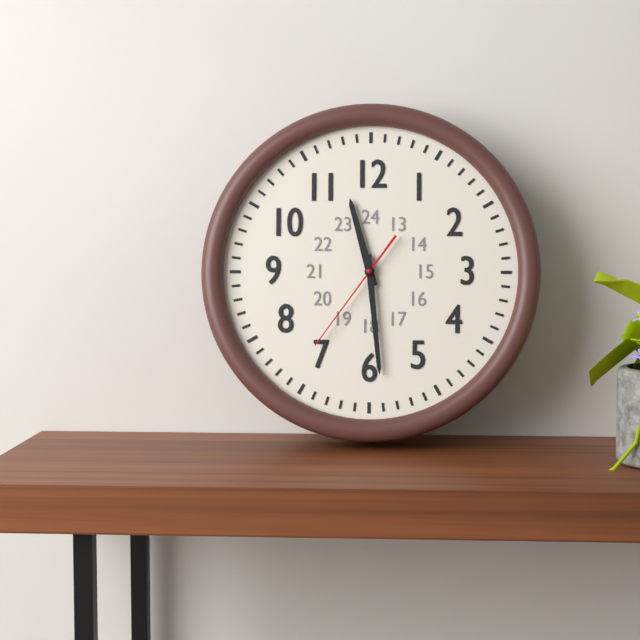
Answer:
11,29,36
